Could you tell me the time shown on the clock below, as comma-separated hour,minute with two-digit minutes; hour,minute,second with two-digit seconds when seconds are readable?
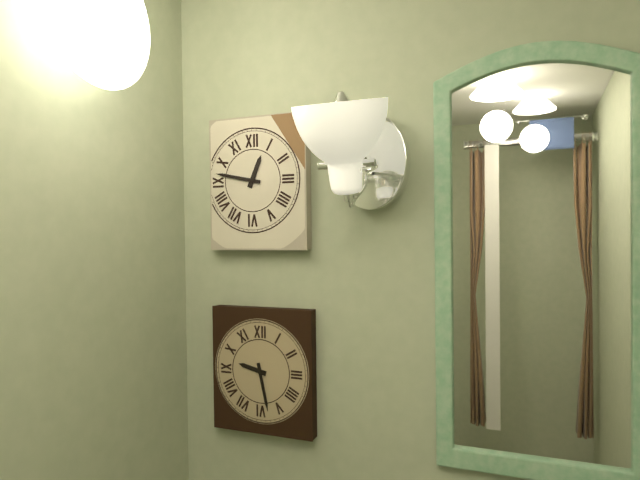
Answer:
12,47
